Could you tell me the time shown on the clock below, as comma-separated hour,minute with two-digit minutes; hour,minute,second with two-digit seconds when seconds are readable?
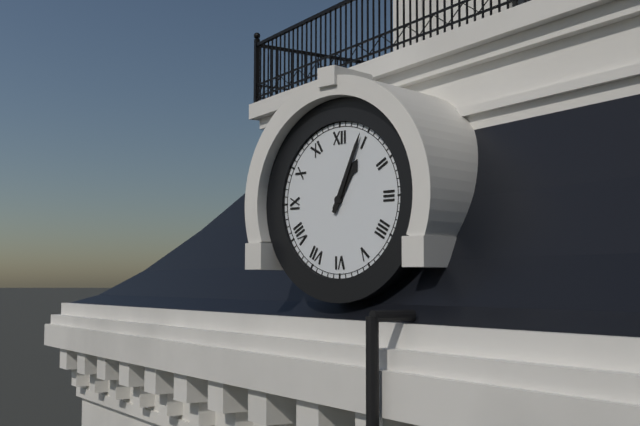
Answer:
1,04
